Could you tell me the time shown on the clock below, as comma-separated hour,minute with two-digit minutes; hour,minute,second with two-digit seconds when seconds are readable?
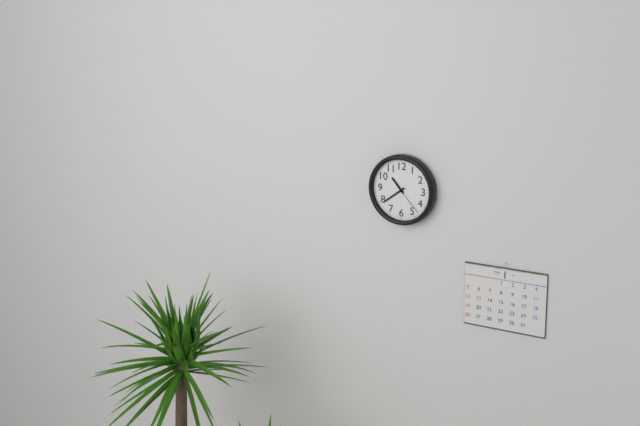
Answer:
10,39
